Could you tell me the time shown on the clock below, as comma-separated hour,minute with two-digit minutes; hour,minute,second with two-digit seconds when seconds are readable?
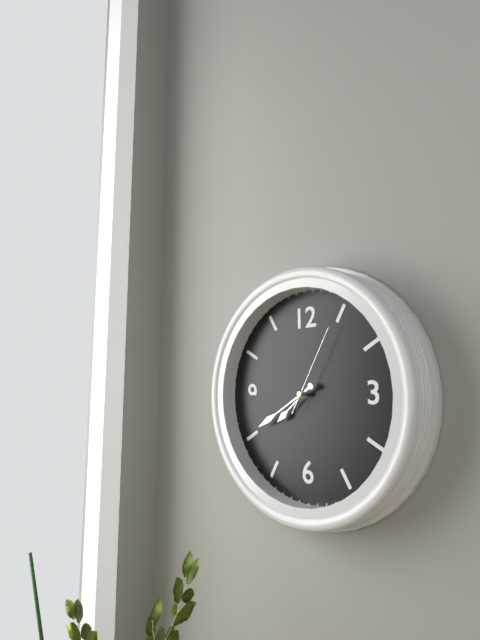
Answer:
7,40,05
